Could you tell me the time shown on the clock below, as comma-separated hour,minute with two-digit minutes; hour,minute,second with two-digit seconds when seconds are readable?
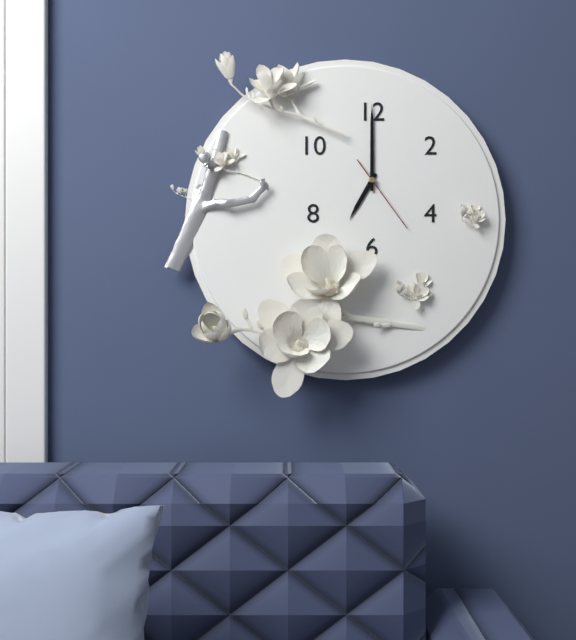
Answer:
7,00,24
